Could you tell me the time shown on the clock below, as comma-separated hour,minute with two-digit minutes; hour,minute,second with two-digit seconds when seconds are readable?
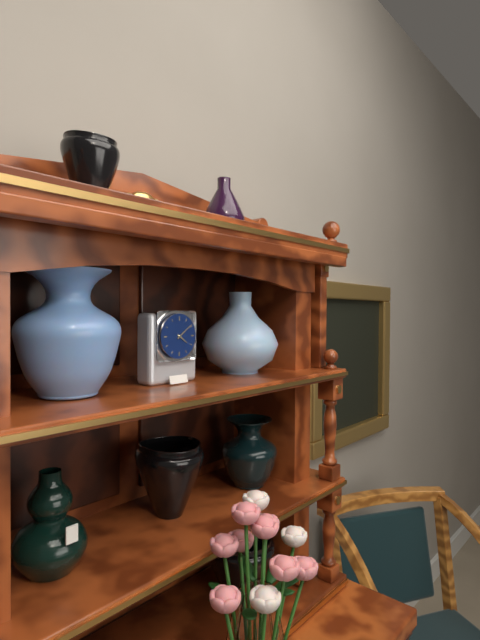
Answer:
4,09
